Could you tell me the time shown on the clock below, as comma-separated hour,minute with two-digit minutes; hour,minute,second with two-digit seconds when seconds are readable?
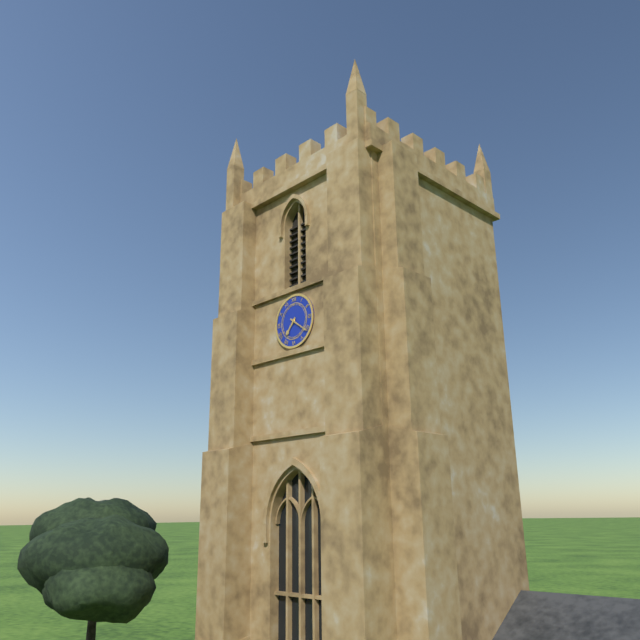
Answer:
7,21
